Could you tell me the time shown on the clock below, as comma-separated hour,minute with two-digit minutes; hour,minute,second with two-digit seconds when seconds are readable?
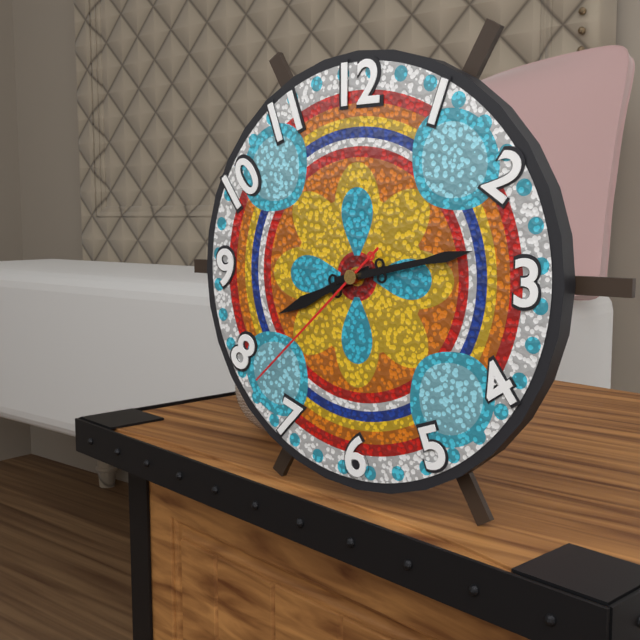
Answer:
8,13,38
